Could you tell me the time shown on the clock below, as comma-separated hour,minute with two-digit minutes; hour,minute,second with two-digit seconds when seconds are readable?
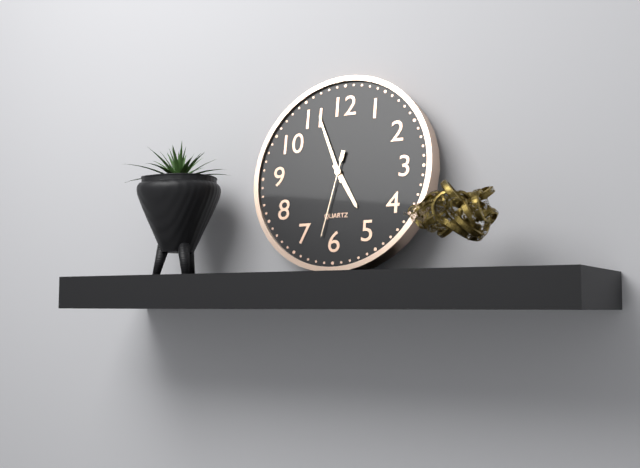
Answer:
4,56,32
